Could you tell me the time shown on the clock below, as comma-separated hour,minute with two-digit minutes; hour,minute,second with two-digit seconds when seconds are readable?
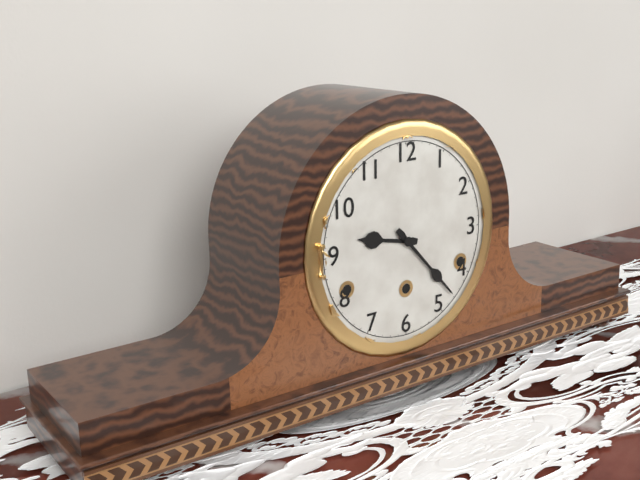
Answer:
9,23
